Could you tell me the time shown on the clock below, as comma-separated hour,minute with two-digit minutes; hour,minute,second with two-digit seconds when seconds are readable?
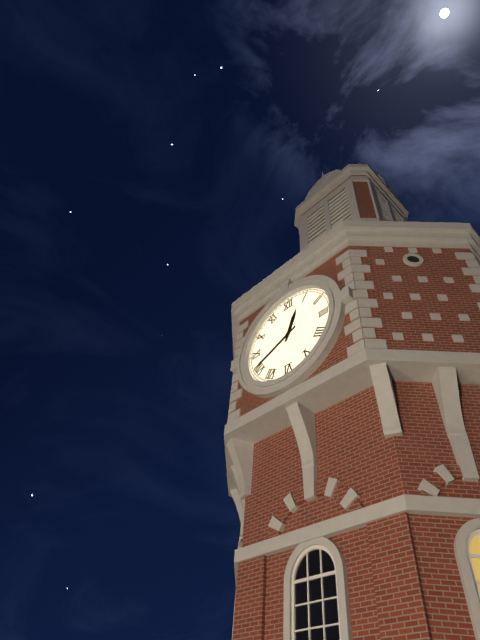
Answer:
12,41
